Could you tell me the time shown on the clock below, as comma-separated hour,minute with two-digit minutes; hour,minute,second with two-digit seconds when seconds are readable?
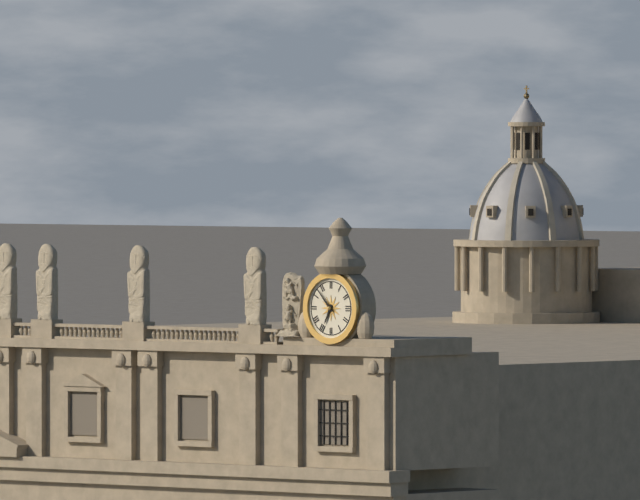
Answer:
6,53
